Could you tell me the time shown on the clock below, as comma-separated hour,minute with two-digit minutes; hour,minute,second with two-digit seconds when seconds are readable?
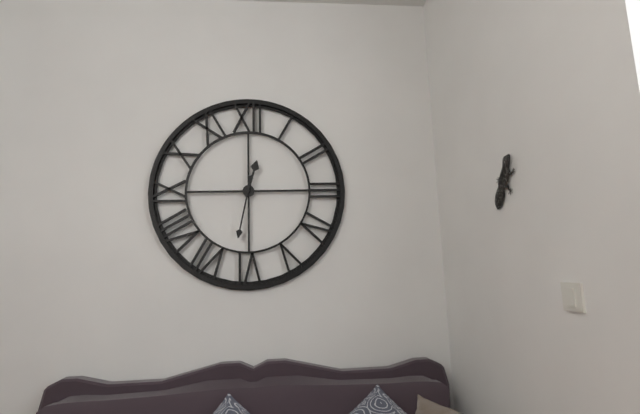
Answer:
12,32
